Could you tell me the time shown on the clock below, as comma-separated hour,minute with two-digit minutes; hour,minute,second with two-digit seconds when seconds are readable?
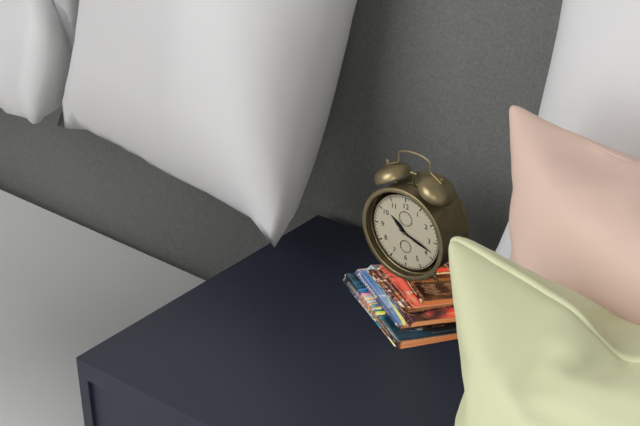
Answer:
10,18
